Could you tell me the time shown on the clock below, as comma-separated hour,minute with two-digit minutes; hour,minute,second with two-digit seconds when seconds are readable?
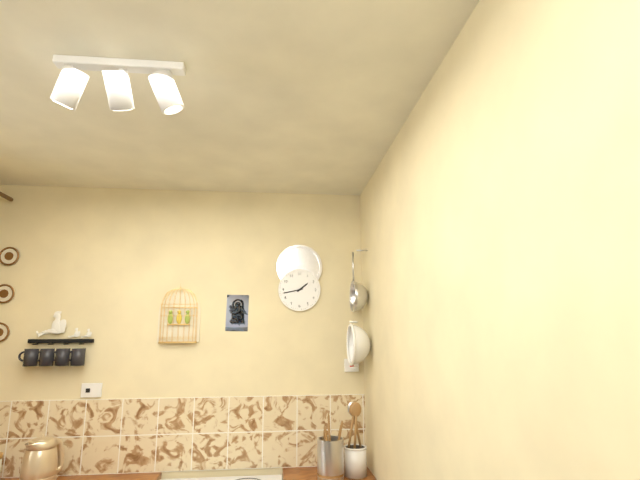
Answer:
1,43
